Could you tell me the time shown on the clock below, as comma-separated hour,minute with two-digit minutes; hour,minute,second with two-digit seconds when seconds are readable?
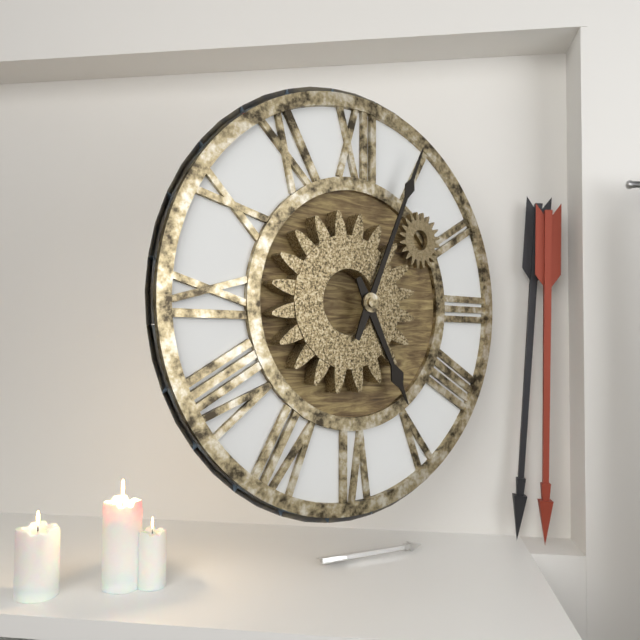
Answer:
5,04
